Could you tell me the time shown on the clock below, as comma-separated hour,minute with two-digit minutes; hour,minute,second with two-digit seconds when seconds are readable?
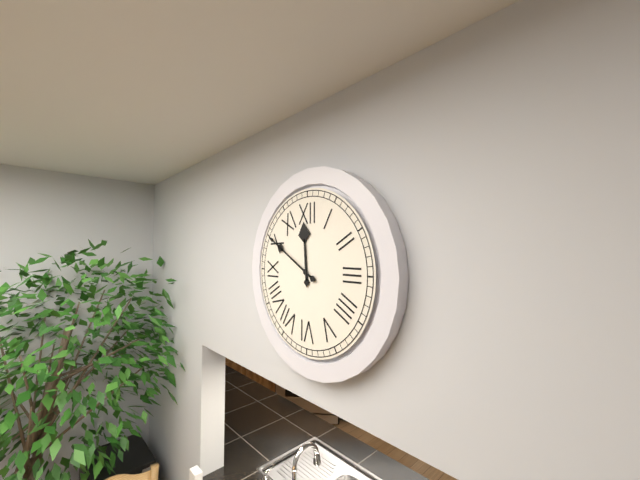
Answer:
11,50
